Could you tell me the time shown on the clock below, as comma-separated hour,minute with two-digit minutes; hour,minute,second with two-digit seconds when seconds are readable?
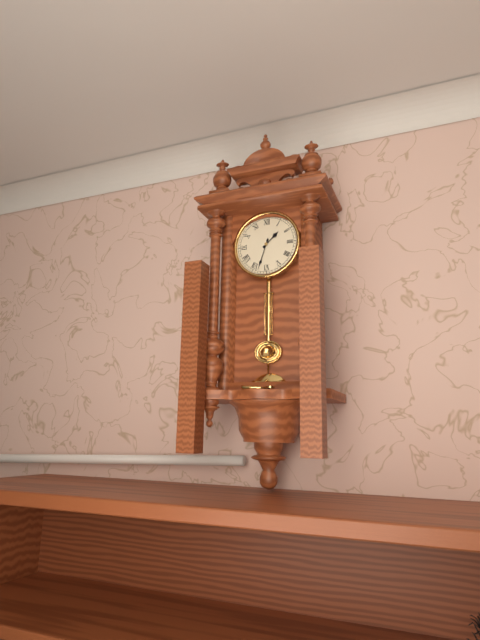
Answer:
1,33
